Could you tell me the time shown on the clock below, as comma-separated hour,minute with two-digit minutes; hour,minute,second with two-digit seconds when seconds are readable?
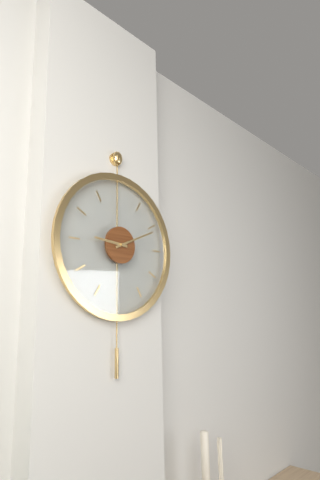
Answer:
9,11
